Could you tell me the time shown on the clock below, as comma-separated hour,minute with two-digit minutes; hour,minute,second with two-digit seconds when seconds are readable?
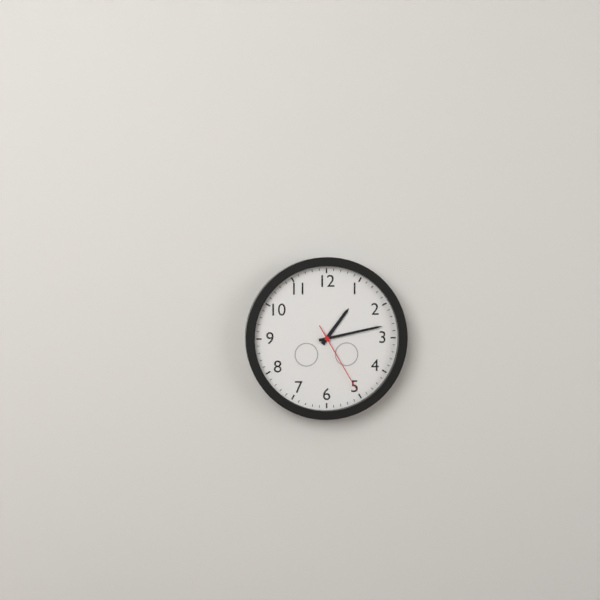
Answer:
1,13,25
